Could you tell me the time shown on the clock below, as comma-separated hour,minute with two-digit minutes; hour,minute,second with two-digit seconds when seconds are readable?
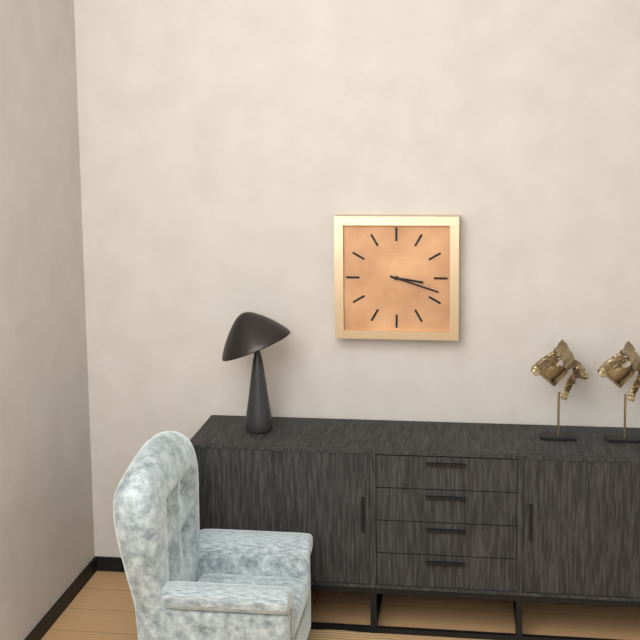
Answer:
3,18
